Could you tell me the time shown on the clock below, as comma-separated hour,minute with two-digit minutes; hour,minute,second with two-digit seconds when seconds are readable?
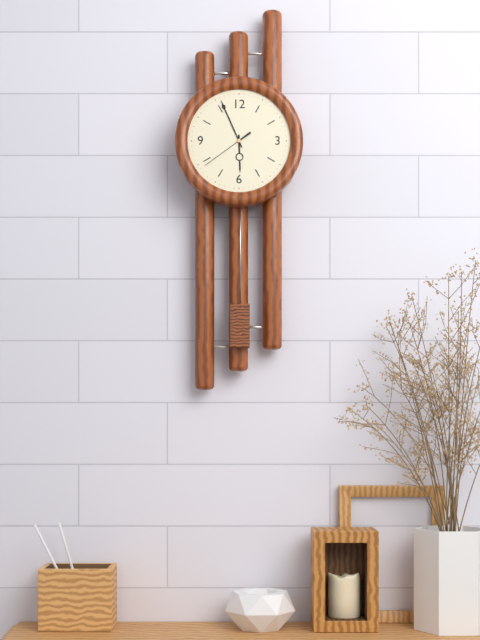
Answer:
5,56,39
